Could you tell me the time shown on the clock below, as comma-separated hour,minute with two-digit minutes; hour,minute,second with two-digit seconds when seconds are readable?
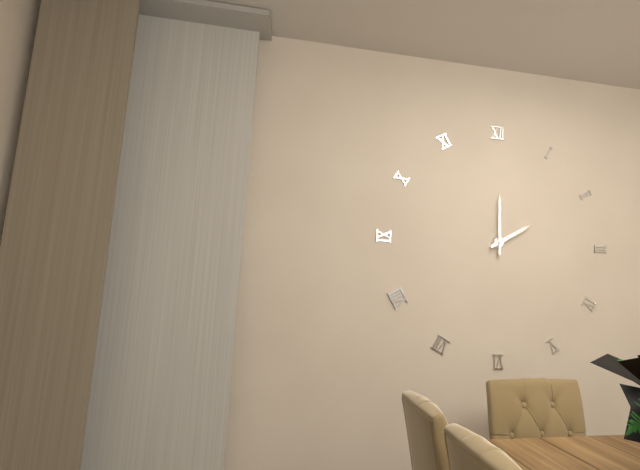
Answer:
2,00
